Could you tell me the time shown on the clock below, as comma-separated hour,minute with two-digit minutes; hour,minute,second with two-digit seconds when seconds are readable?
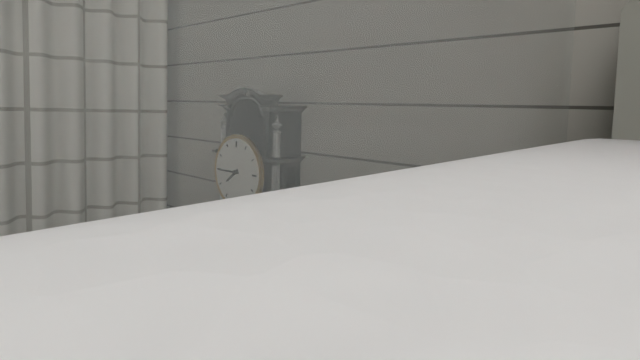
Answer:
7,45
